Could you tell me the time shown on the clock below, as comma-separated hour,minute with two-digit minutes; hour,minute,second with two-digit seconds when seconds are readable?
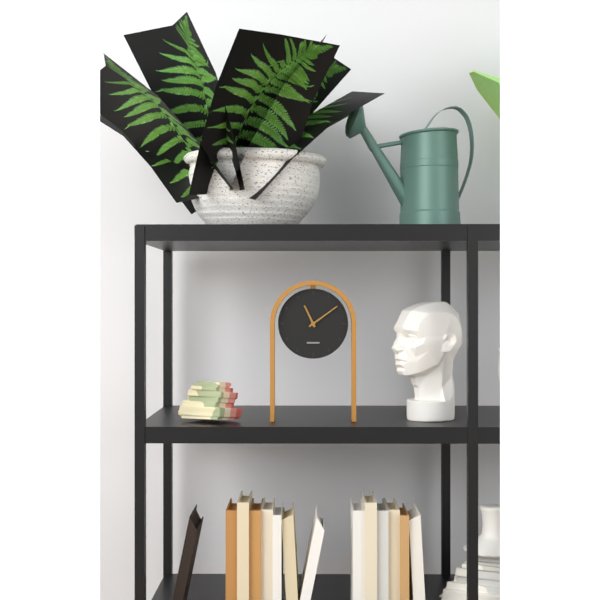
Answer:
11,09
